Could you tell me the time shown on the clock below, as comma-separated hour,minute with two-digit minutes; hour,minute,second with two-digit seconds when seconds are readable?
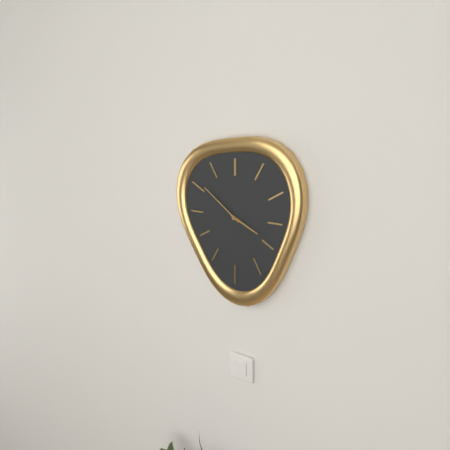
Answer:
3,51
